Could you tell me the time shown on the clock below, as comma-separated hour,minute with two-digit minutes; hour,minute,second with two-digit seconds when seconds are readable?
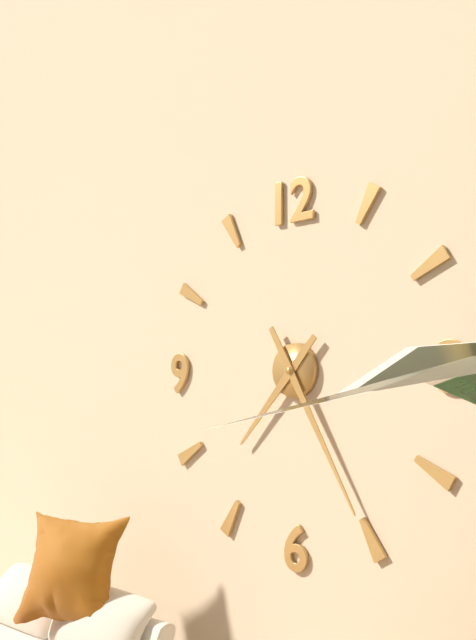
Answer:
7,25
